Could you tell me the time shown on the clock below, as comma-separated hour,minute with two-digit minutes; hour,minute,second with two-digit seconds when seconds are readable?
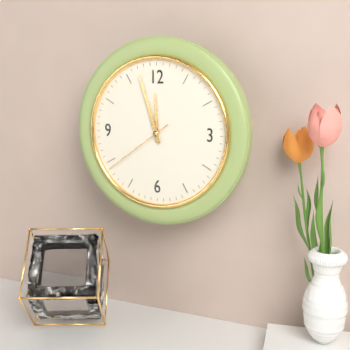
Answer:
11,57,39
